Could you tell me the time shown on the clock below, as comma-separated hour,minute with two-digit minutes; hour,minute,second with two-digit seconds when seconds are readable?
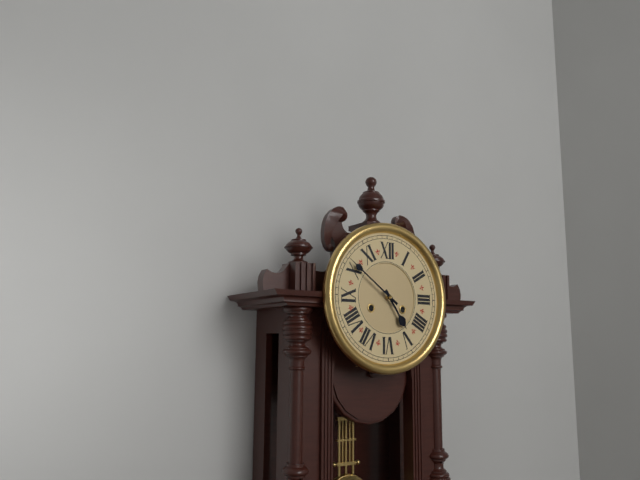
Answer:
4,51
